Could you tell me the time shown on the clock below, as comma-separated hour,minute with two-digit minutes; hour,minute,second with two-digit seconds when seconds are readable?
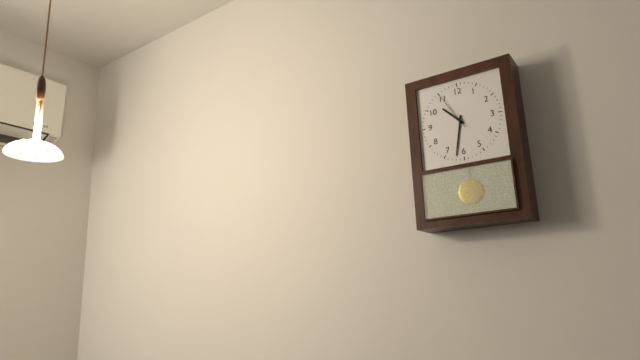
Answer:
10,32
